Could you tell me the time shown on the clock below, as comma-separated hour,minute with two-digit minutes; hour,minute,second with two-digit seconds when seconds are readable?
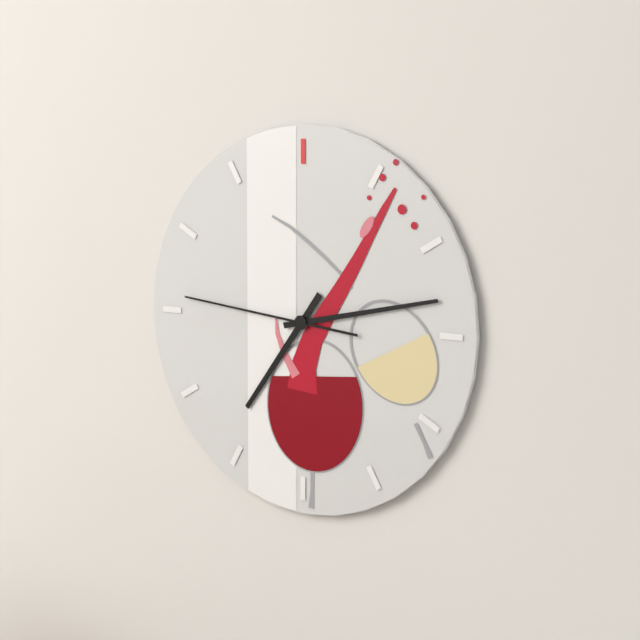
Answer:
7,13,46
